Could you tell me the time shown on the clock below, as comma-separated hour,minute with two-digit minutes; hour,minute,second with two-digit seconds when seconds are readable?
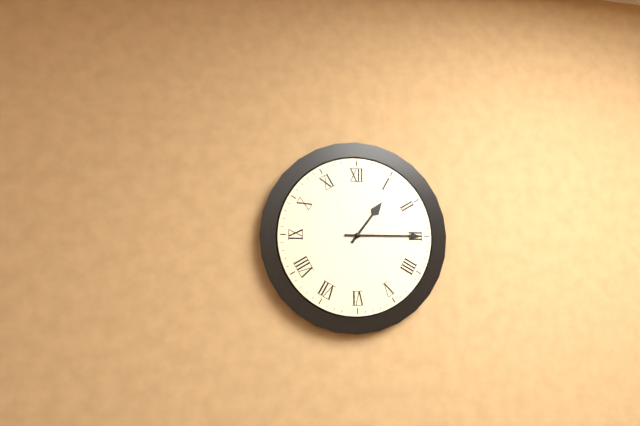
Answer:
1,15
